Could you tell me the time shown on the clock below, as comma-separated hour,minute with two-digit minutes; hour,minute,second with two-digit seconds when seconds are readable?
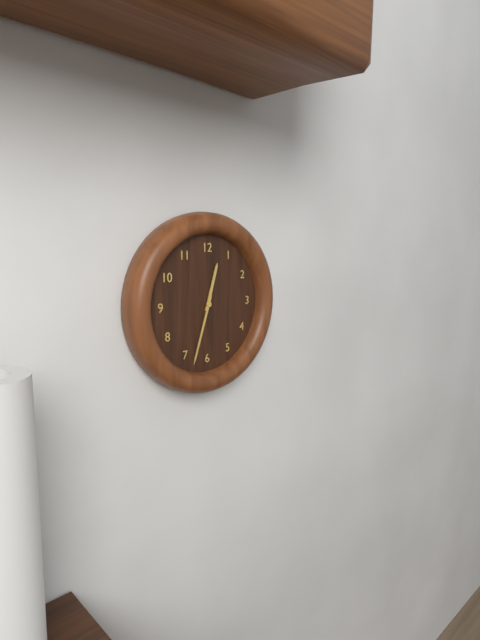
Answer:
12,33
